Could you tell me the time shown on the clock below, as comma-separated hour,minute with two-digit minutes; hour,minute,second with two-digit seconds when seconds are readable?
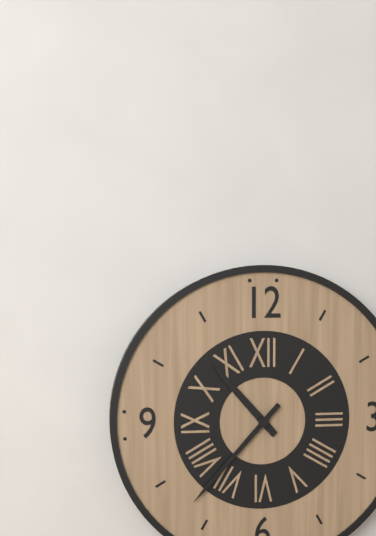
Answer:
10,37
